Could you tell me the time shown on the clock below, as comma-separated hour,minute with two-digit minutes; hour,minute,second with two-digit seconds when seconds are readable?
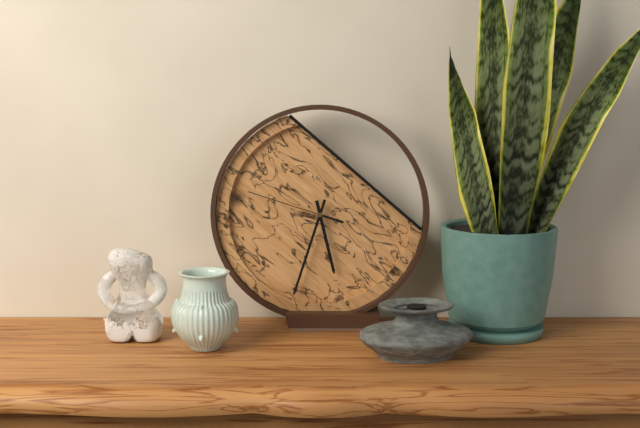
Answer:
5,33,48
